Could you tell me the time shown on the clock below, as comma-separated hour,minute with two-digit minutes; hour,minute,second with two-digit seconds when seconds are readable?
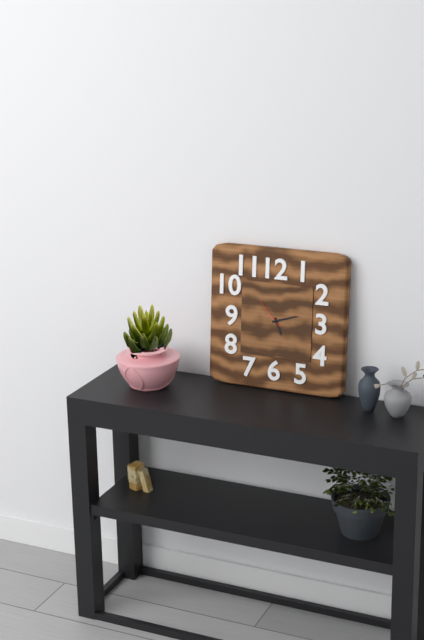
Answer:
5,12
